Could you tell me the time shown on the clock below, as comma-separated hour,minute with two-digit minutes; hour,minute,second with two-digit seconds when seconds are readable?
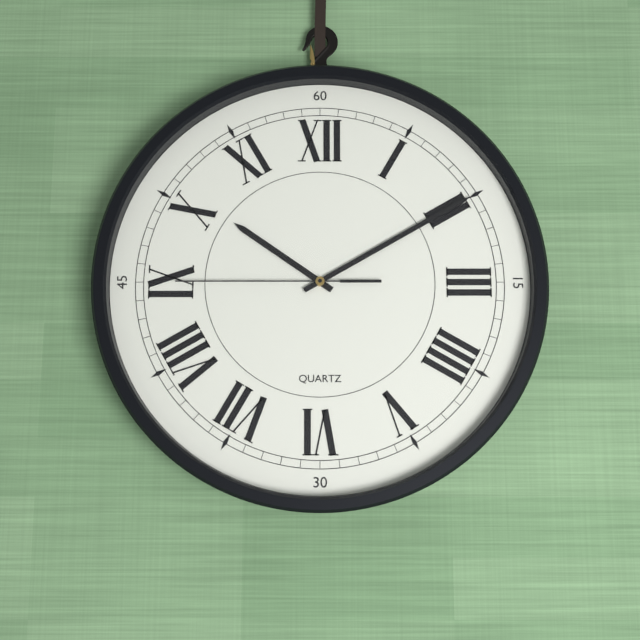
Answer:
10,10,45
